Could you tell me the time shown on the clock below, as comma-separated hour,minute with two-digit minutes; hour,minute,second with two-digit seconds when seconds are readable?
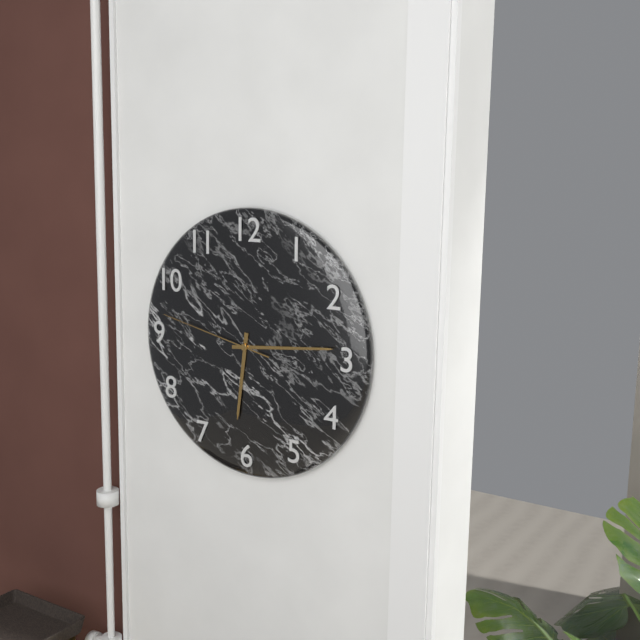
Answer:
6,14,47
